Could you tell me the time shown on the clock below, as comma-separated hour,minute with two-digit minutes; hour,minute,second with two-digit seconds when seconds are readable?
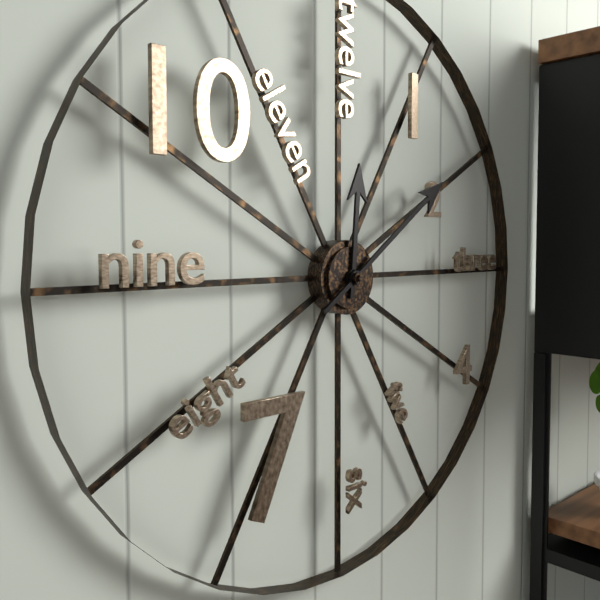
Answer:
12,09
